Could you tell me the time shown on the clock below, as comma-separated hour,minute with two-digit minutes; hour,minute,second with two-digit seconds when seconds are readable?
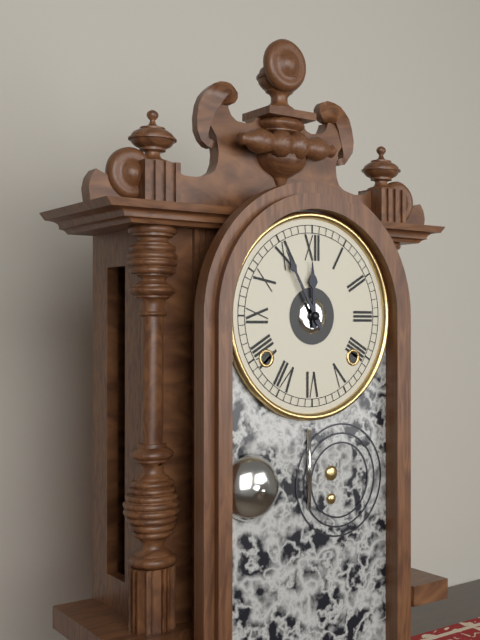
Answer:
11,55
